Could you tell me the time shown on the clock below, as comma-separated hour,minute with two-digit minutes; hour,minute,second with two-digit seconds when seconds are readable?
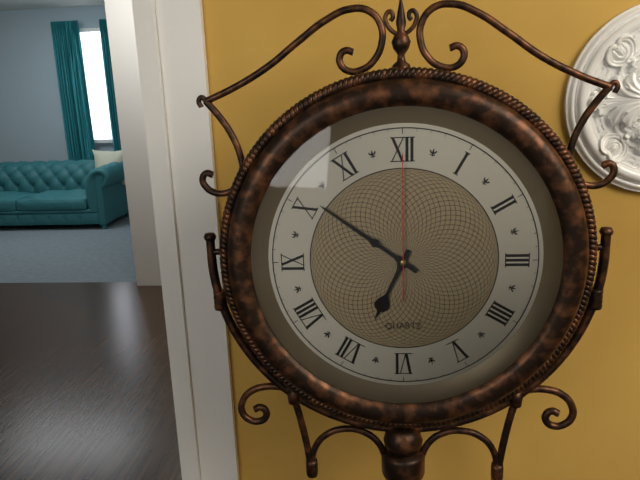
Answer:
6,51,00
